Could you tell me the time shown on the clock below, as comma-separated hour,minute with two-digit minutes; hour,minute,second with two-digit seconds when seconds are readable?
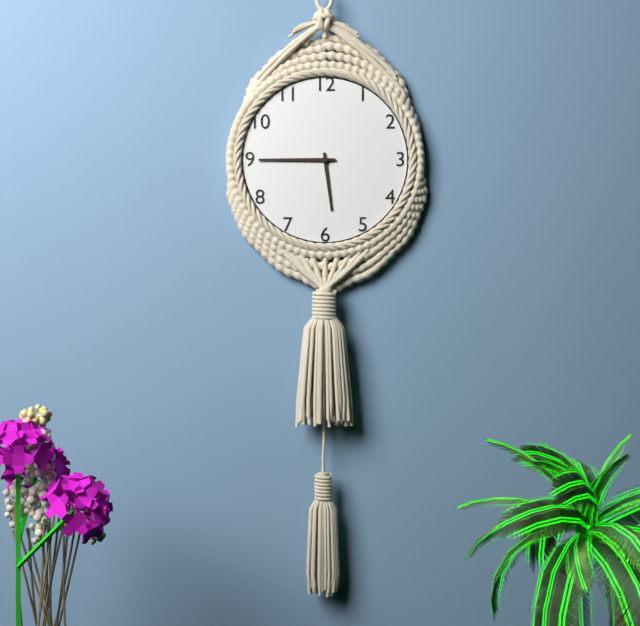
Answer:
5,45
